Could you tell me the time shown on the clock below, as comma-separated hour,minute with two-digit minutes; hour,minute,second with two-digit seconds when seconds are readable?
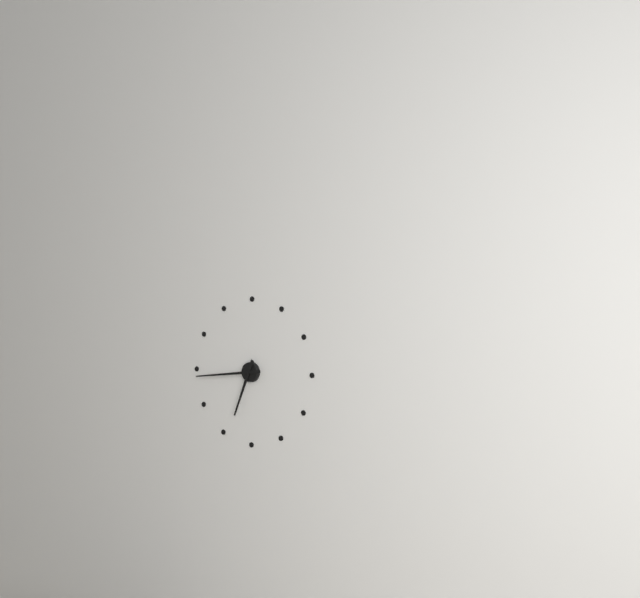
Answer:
6,44
